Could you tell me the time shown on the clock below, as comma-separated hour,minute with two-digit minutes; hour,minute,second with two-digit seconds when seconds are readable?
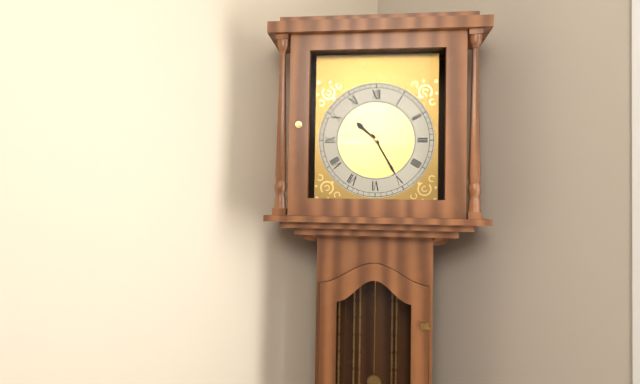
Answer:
10,25
